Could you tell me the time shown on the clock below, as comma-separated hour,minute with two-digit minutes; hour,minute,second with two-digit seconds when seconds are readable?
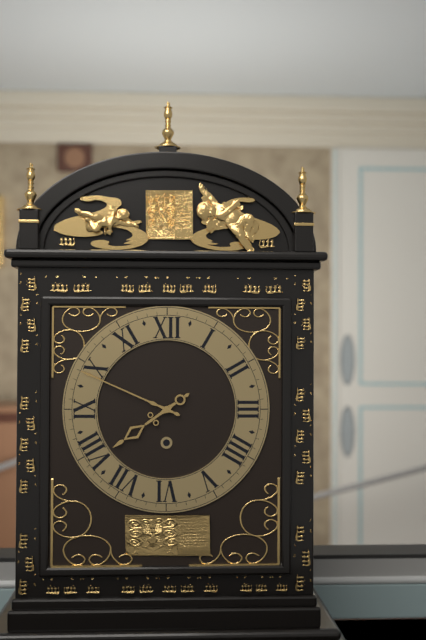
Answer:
7,49
